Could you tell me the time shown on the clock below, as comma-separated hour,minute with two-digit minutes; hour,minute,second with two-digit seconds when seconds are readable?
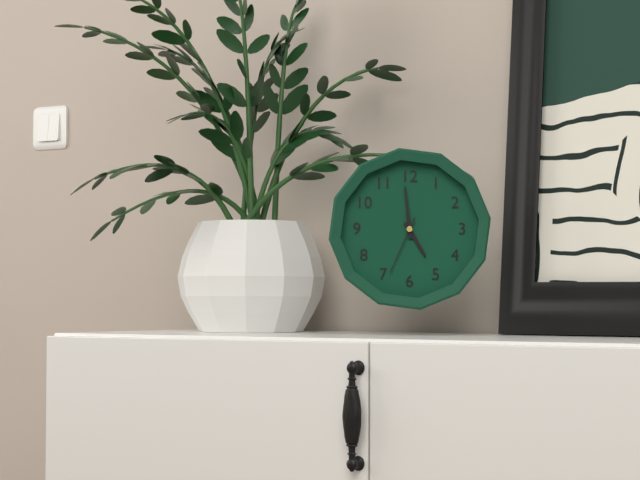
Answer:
4,59,34
